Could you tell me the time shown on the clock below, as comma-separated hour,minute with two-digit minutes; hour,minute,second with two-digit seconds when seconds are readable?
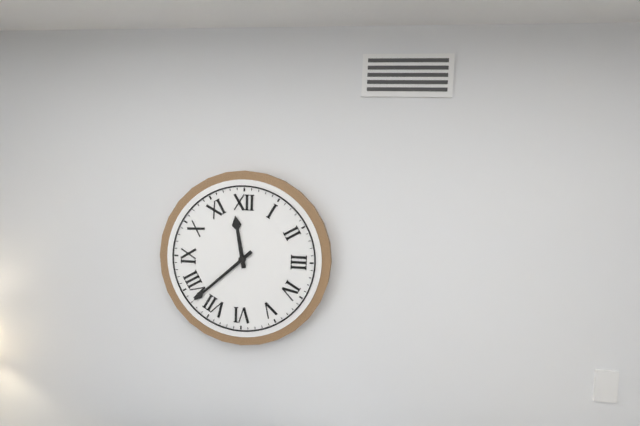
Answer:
11,38
